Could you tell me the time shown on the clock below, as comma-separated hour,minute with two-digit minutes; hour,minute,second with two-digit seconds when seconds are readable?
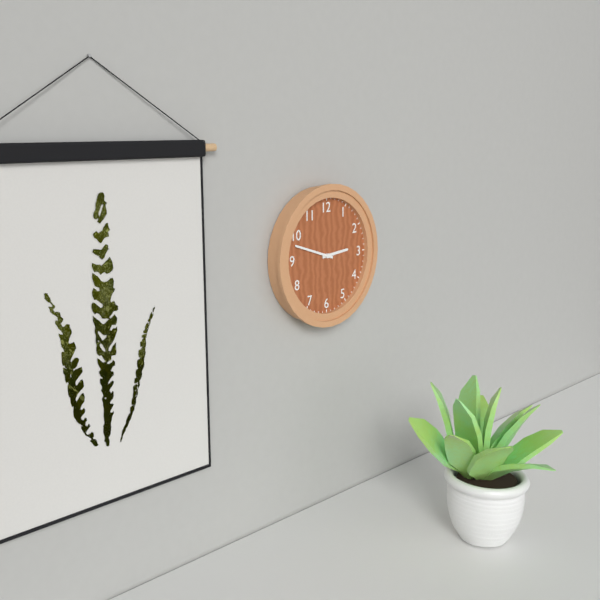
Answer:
2,48
